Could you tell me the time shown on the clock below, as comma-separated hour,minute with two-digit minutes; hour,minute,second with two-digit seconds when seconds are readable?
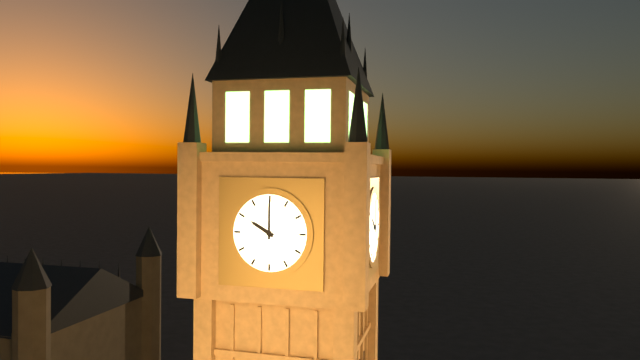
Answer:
10,00
